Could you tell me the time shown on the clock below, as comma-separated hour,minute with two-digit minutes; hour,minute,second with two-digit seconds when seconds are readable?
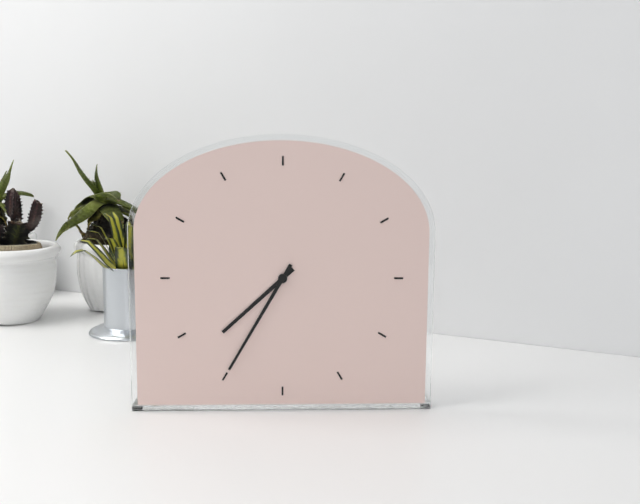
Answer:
7,35
